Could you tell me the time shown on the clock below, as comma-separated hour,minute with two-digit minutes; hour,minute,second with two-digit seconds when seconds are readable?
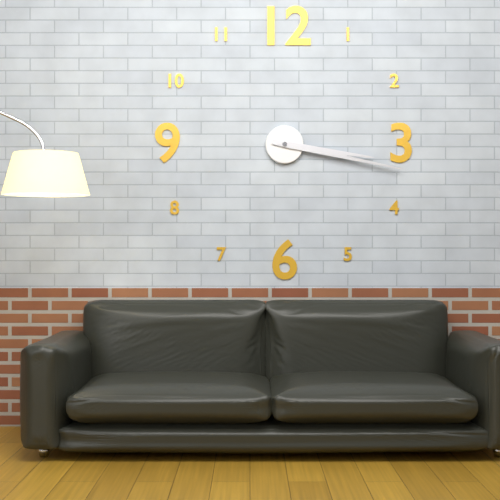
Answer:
3,17
